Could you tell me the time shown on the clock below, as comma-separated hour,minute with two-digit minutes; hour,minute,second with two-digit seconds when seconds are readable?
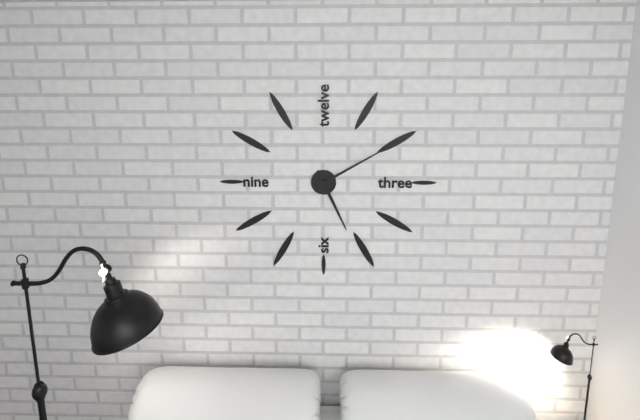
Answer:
5,10
